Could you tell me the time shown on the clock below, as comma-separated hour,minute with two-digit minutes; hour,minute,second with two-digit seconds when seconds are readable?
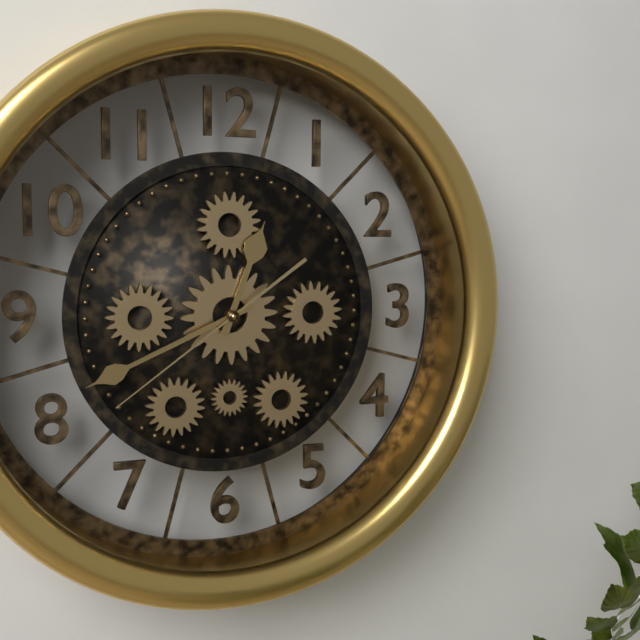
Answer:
12,41,39
